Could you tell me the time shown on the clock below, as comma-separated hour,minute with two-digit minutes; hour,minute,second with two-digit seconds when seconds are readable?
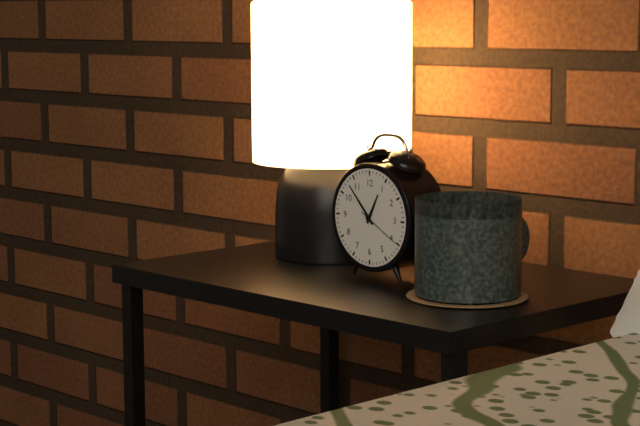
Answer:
12,53
